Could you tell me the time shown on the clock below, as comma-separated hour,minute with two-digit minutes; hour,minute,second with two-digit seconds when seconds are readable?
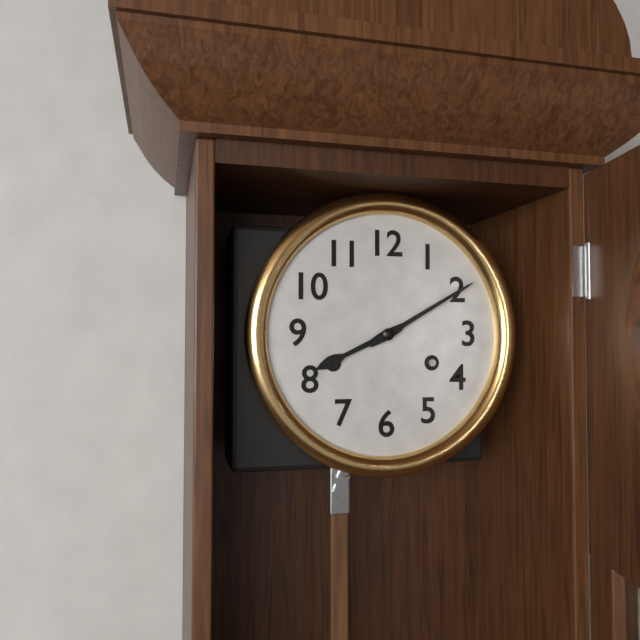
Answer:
8,10
